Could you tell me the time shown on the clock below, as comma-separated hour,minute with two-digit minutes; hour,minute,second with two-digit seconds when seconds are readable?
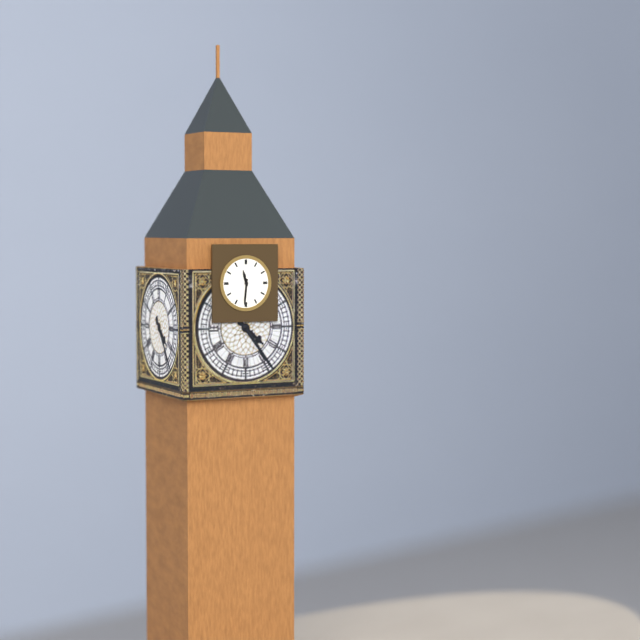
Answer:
11,31
